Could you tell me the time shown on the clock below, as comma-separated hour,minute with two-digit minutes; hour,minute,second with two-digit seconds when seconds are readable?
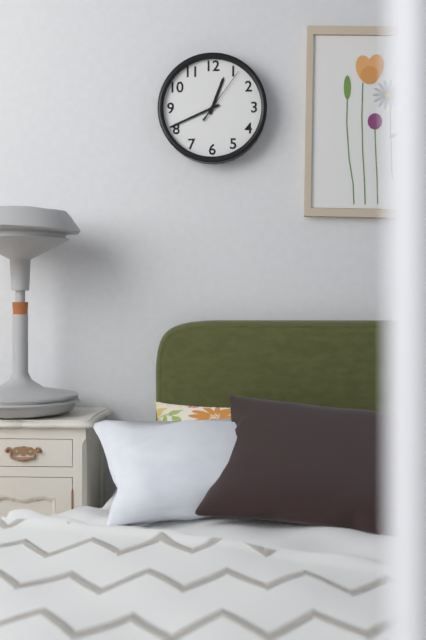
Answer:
12,41,06
